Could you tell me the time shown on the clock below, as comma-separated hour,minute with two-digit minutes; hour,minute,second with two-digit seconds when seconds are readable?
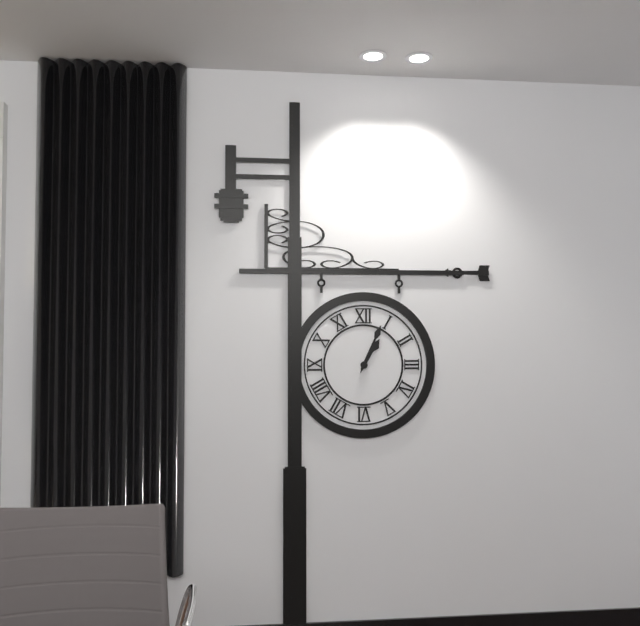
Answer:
1,04
